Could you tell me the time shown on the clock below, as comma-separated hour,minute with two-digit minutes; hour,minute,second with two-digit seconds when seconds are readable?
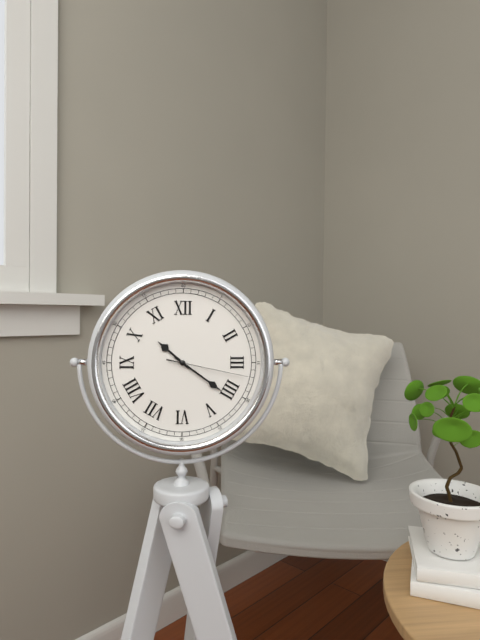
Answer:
10,21,17
